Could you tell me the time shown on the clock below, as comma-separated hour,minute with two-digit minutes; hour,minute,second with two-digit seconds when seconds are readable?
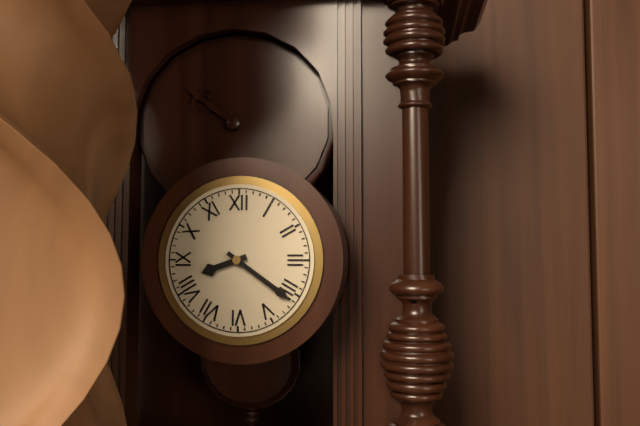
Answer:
8,21
